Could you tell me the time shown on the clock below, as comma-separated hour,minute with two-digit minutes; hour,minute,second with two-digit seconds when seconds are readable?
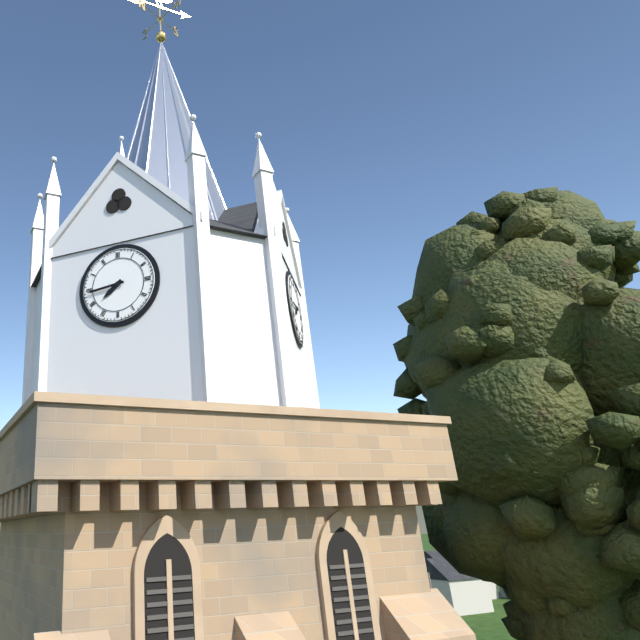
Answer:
7,44
